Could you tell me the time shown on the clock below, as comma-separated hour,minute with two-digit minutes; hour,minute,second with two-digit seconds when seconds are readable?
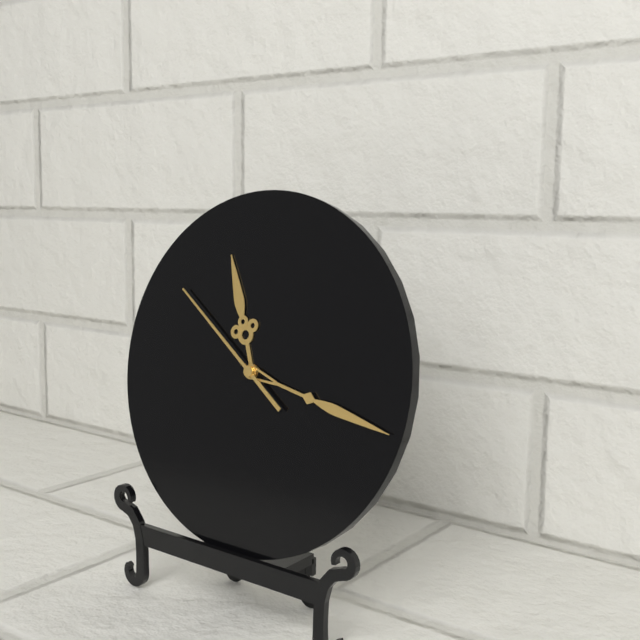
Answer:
11,17,51
